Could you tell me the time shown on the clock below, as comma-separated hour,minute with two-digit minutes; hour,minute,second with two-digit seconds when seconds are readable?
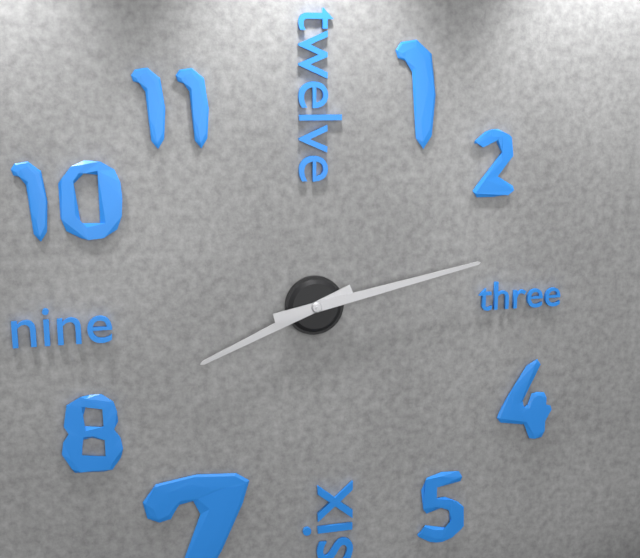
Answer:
8,13
